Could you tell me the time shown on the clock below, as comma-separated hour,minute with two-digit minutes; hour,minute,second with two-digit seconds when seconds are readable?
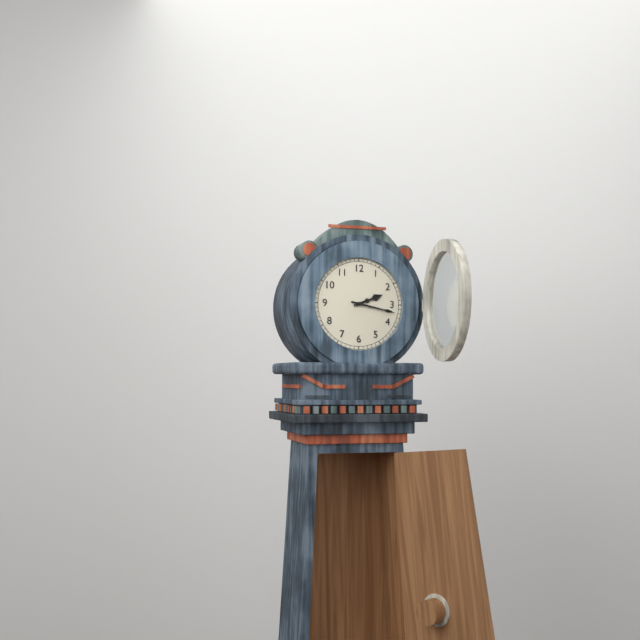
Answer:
2,17
